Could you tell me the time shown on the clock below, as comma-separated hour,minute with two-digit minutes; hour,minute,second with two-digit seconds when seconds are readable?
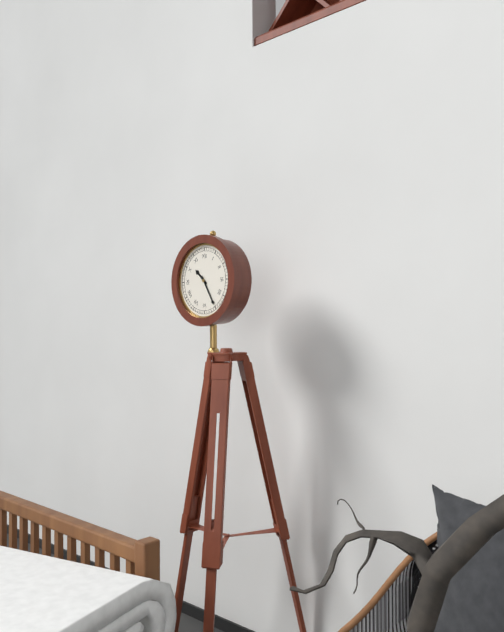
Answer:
10,25
